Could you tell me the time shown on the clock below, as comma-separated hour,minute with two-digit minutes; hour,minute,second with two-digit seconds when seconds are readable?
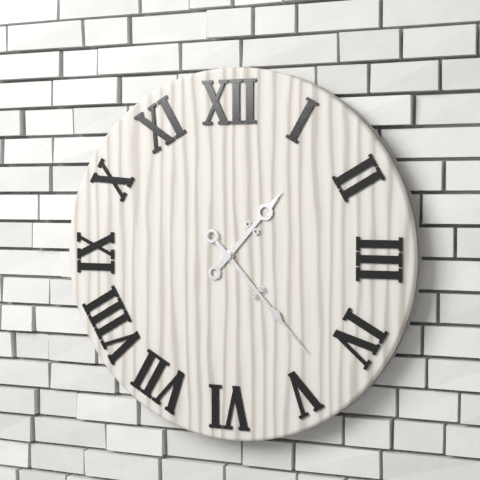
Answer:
1,23
